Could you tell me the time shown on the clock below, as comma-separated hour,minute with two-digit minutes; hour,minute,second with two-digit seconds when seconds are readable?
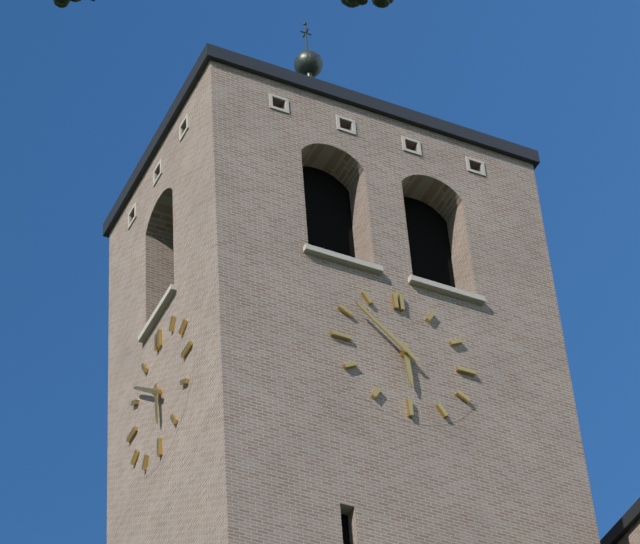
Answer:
5,52
